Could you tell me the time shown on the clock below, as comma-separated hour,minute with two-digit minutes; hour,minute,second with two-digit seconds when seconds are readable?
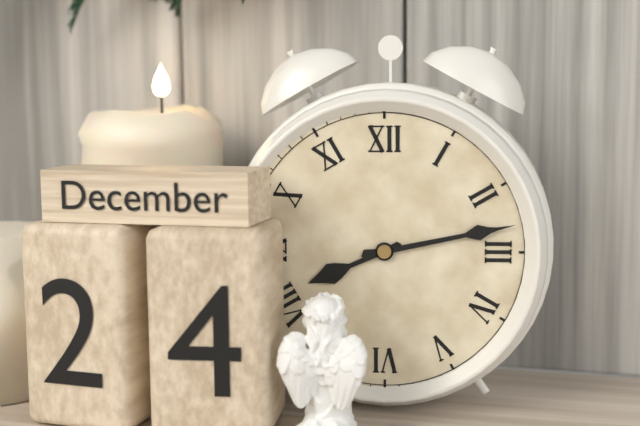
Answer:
8,13
